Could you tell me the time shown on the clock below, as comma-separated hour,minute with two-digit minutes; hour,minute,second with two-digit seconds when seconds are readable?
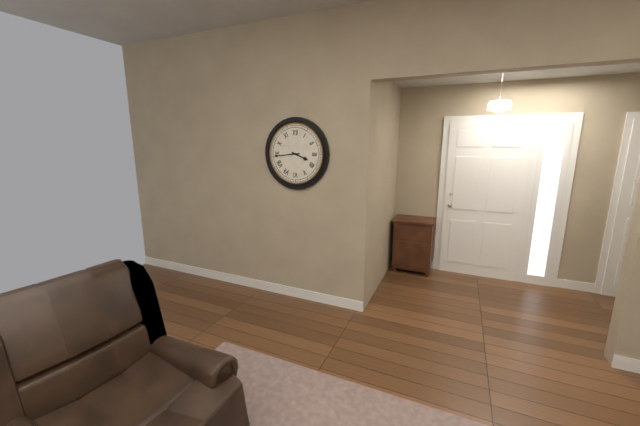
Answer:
3,44
